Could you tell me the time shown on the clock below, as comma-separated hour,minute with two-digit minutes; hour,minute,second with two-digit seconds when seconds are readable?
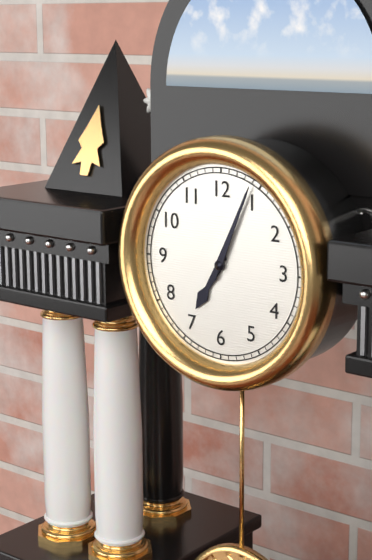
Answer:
7,04
